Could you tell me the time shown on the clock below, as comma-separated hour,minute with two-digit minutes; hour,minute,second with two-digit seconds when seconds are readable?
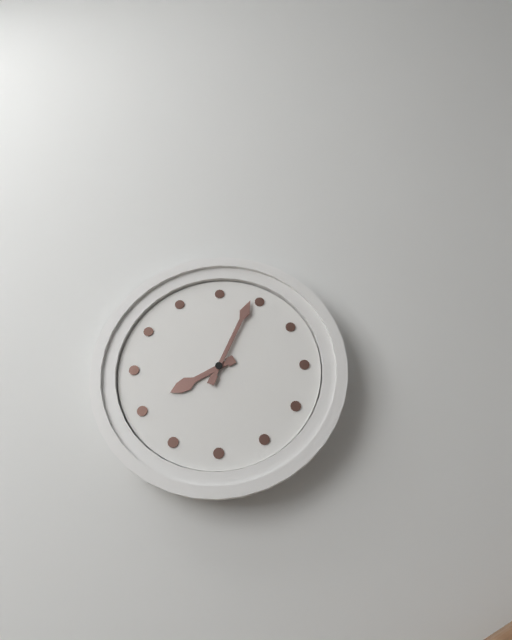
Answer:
8,04
